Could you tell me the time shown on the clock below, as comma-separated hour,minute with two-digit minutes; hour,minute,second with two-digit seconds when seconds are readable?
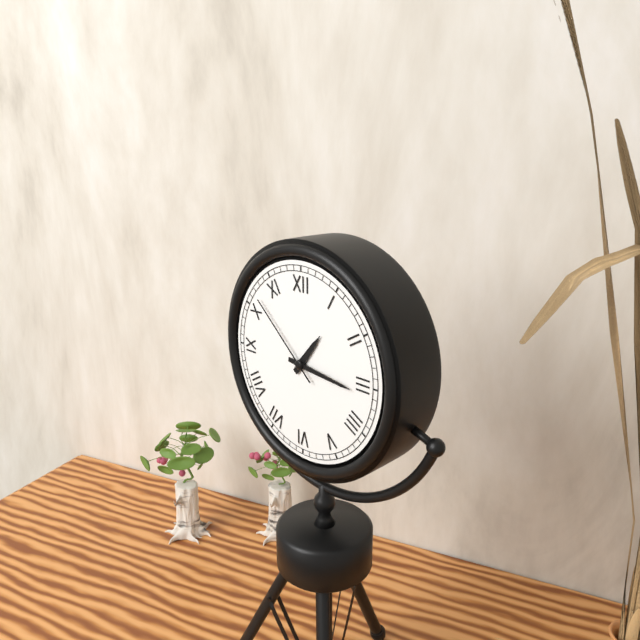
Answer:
1,16,52
